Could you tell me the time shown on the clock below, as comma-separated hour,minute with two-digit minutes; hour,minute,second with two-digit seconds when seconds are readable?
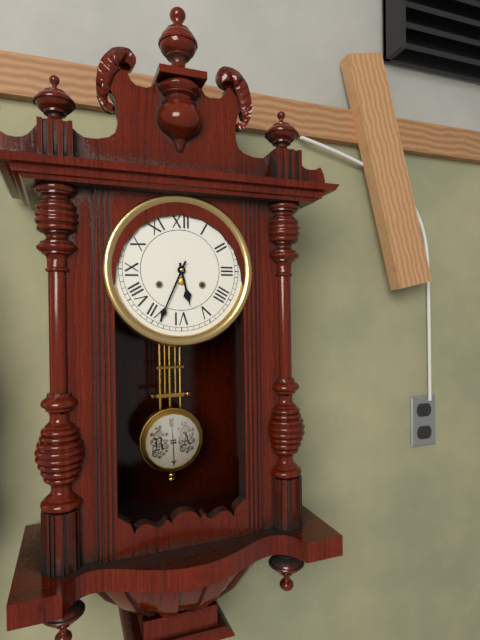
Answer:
5,34
